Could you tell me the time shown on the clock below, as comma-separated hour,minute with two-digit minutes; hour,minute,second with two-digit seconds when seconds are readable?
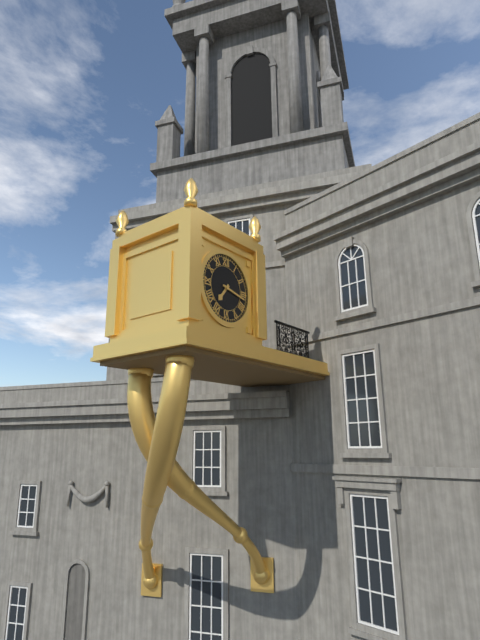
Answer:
7,17
